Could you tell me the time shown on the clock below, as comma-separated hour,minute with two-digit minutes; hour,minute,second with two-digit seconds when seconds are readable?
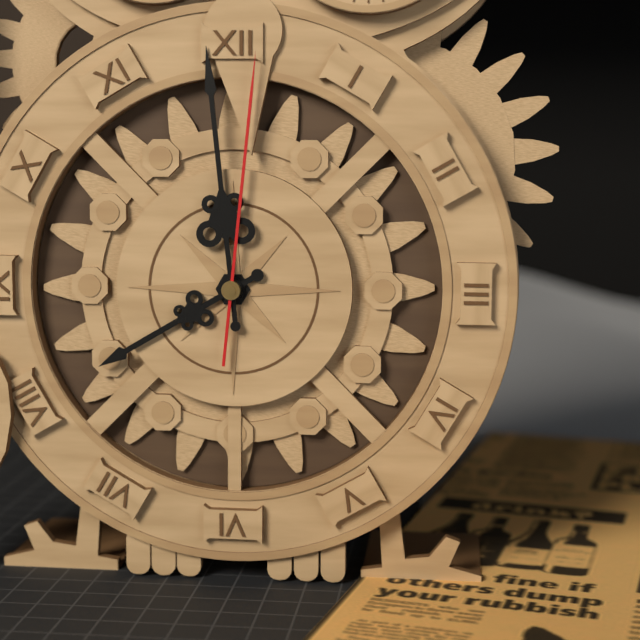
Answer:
7,59,01
